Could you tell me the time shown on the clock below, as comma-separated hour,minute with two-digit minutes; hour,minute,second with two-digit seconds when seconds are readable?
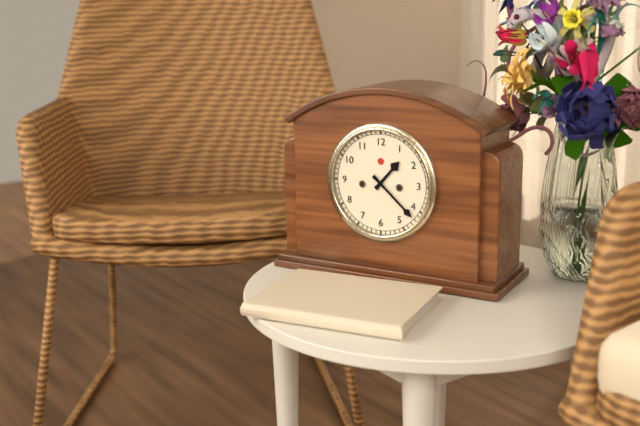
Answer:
1,22
